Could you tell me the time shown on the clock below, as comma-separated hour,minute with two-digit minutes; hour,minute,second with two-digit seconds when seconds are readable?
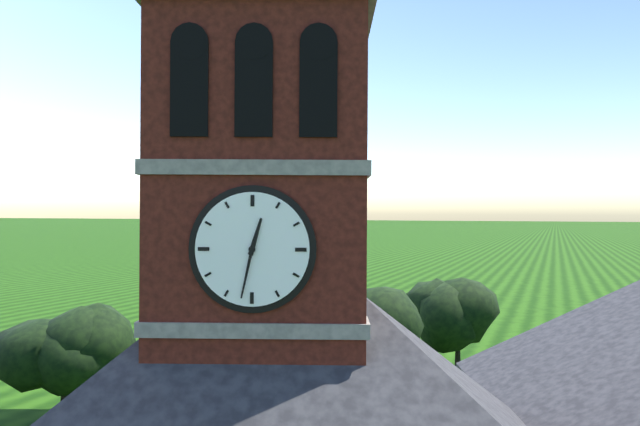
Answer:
12,32
